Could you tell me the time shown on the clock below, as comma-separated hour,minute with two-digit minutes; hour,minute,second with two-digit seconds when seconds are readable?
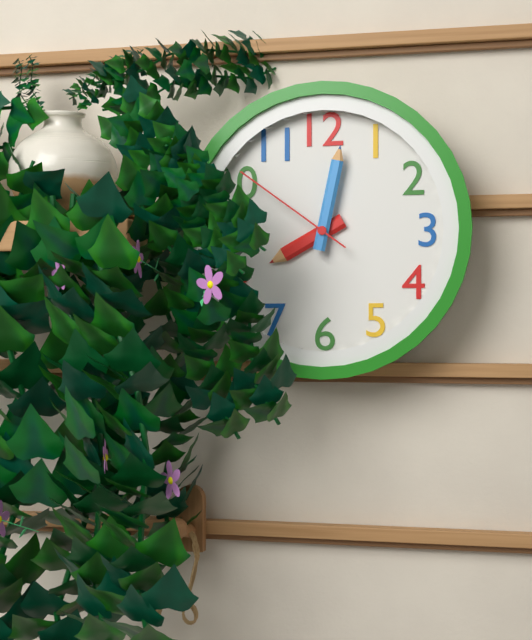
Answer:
8,02,51
